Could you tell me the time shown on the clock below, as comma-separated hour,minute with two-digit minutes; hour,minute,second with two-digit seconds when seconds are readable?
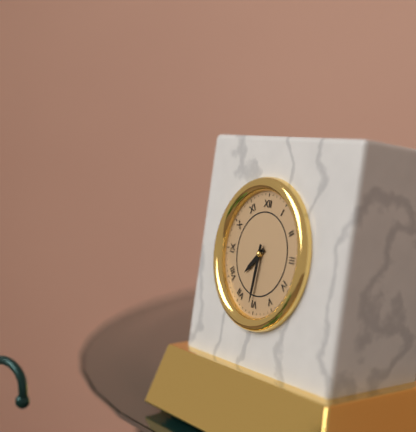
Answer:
7,31
